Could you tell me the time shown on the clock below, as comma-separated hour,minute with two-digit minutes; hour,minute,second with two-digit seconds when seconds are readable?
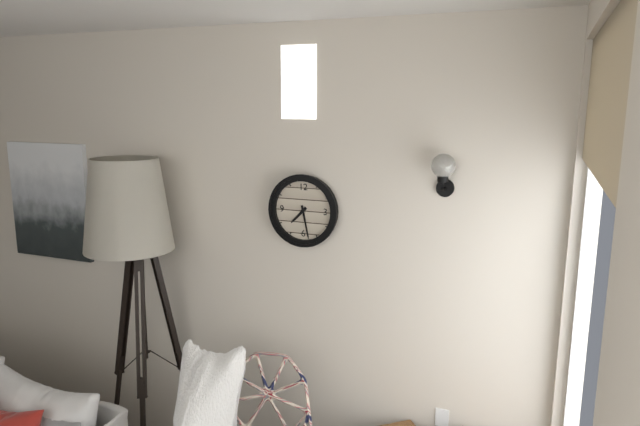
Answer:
7,28
